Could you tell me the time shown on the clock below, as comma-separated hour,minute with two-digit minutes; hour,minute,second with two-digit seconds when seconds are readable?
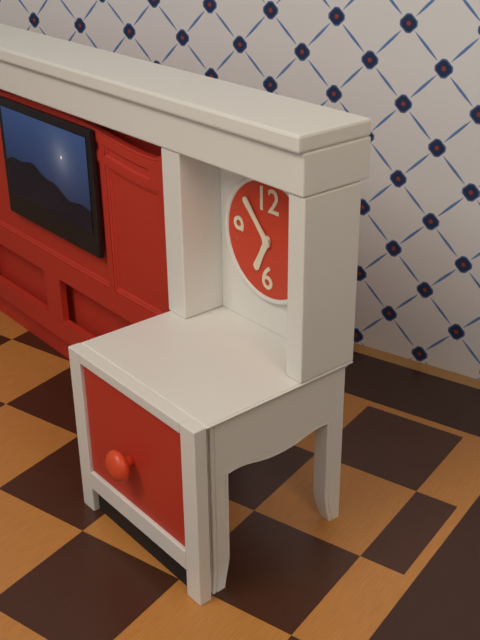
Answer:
6,53
